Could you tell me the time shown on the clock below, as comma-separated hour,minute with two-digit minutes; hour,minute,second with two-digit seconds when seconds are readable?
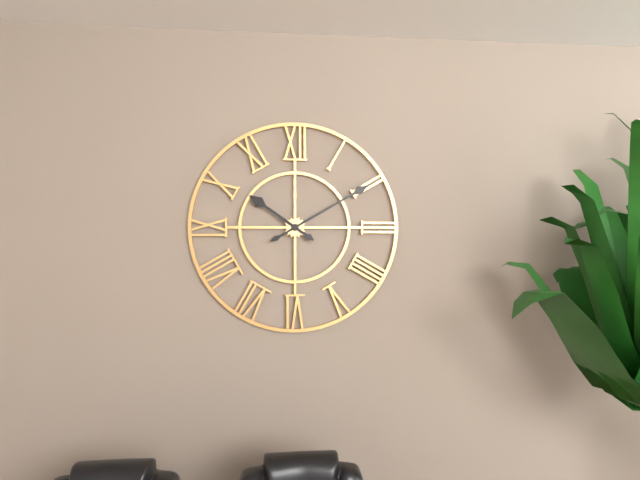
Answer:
10,10
